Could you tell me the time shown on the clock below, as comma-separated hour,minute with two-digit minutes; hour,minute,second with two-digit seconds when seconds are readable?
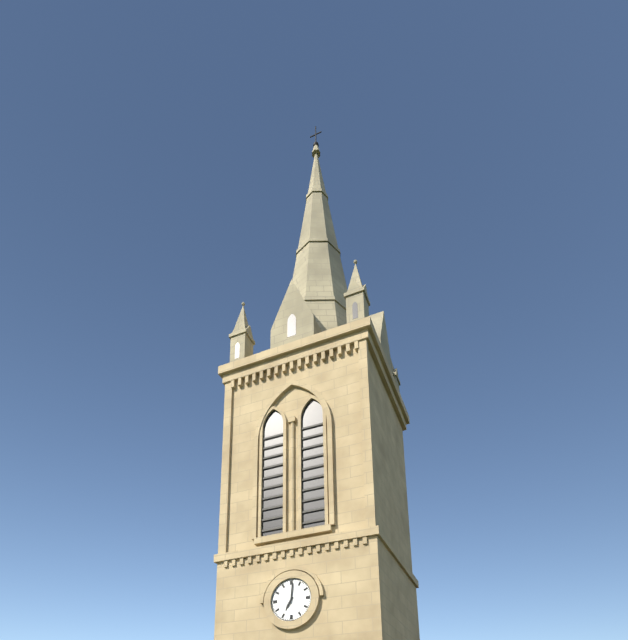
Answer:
7,01
